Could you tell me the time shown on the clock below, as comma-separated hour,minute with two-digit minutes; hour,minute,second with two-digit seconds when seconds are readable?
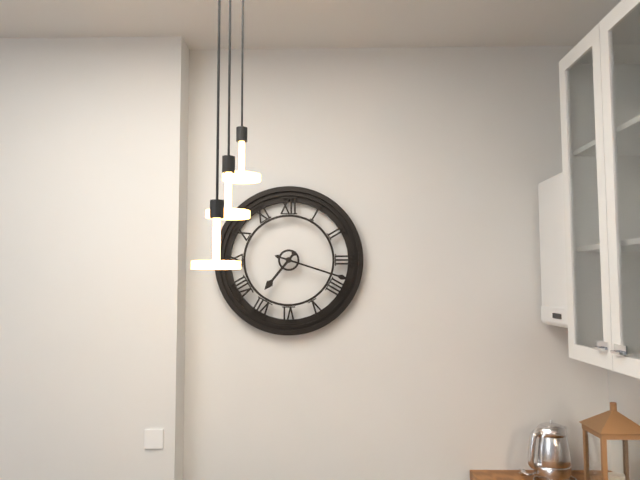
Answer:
7,18
